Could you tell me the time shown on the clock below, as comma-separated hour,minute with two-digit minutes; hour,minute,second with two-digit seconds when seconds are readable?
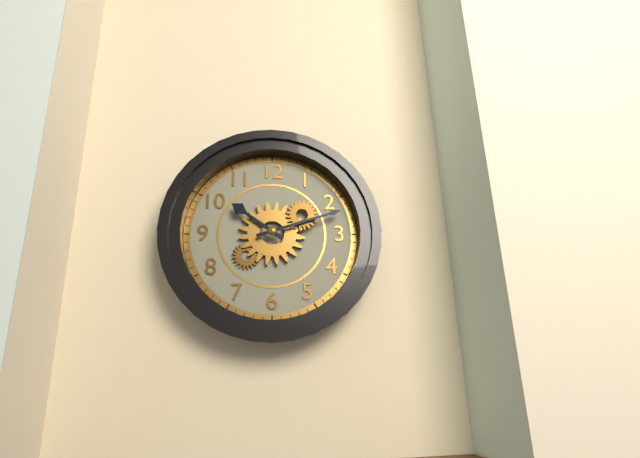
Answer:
10,12
